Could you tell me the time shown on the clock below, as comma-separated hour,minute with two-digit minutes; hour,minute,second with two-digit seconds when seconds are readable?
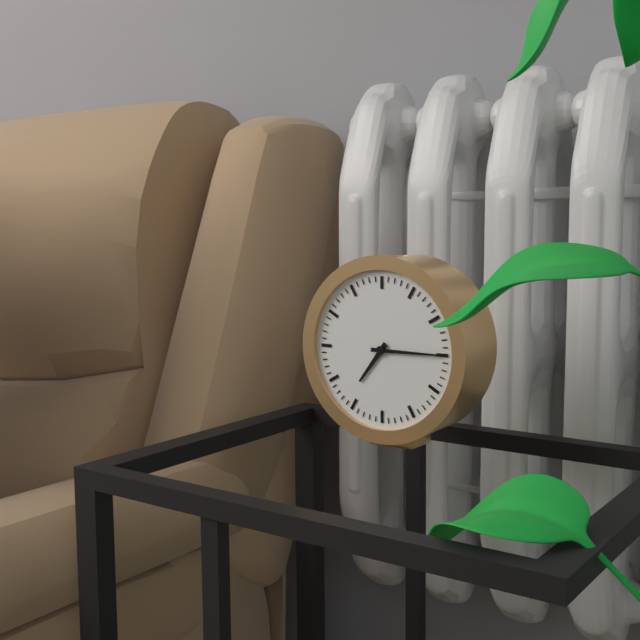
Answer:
7,15
